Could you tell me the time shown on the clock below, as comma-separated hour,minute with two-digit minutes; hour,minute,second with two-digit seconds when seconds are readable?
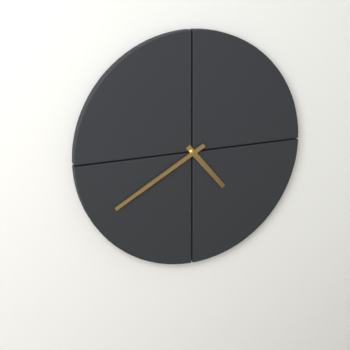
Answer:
4,40
